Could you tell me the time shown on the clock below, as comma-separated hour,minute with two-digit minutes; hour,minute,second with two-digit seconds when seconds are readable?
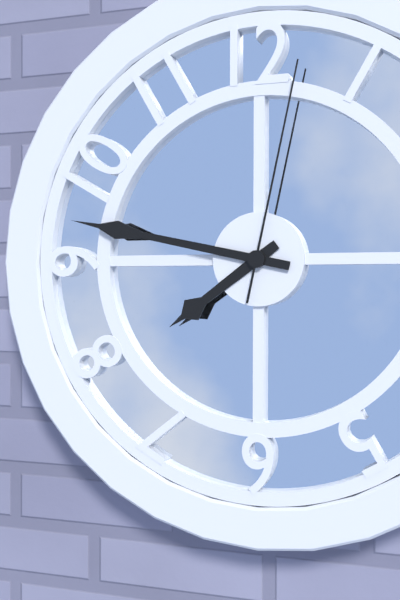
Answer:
7,47,02
